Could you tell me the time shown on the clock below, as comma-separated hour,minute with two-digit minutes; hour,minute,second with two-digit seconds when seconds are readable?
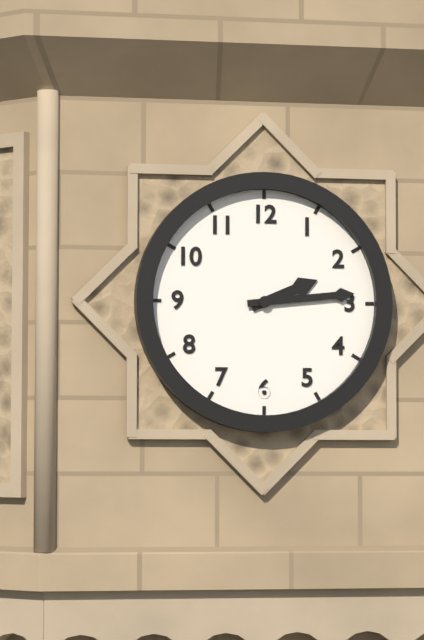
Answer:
2,14
